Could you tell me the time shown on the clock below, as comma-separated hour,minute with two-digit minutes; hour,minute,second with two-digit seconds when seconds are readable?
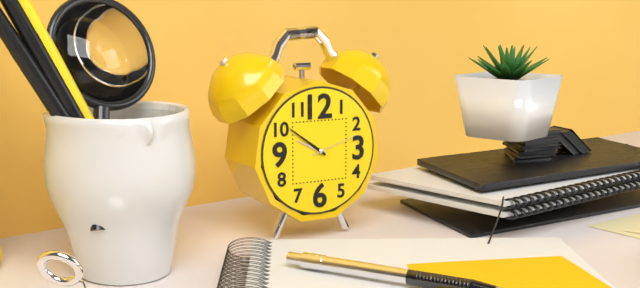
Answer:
9,51,12
